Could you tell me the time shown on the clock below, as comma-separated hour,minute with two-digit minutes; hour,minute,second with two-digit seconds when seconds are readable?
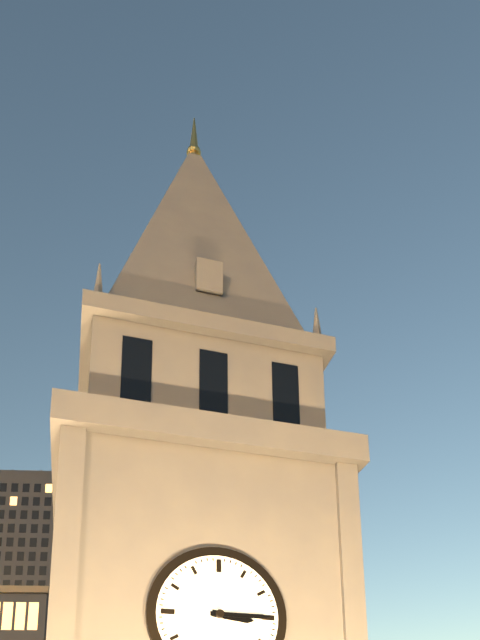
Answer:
3,15
